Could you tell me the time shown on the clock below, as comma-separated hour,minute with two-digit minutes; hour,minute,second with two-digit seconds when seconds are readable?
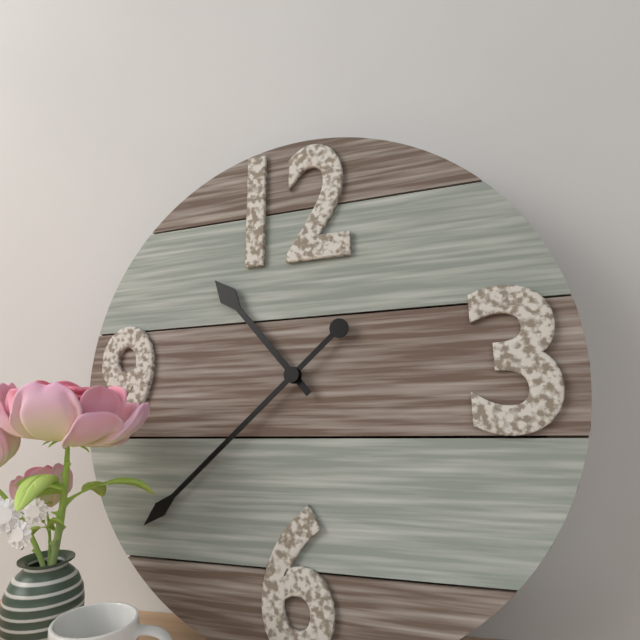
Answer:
10,38
